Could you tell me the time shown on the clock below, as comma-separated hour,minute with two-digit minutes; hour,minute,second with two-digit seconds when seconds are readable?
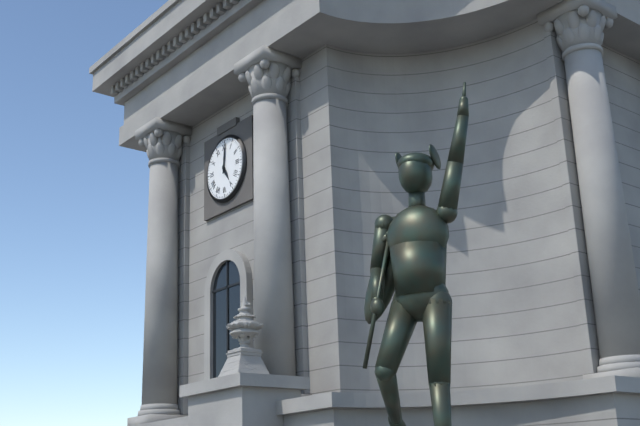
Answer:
5,01
